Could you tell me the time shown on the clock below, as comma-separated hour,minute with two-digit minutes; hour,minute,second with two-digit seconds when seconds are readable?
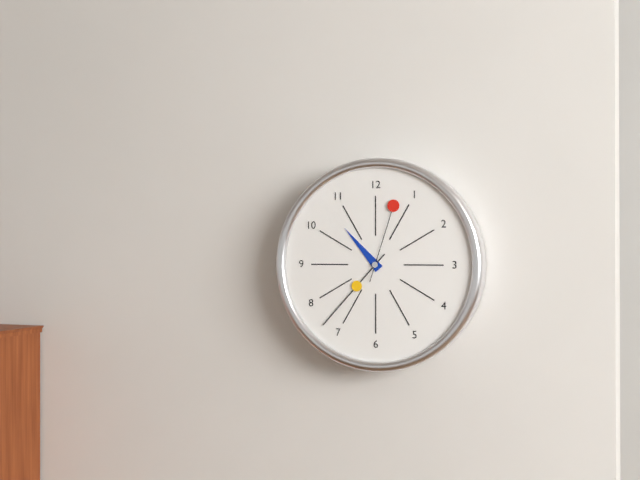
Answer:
10,37,03
